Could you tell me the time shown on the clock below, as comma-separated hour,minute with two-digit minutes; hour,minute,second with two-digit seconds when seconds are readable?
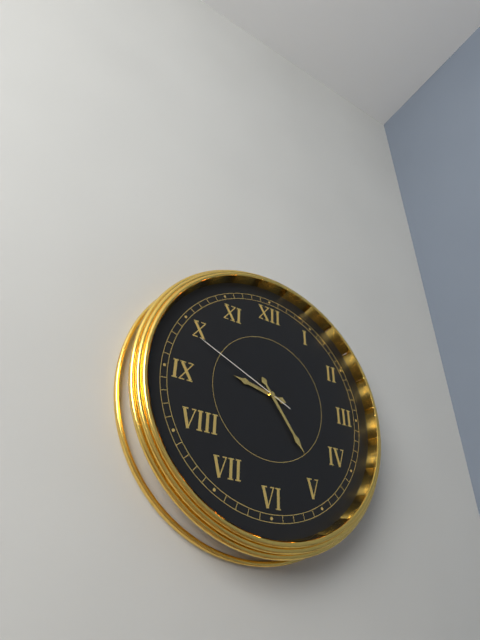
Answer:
9,24,49
